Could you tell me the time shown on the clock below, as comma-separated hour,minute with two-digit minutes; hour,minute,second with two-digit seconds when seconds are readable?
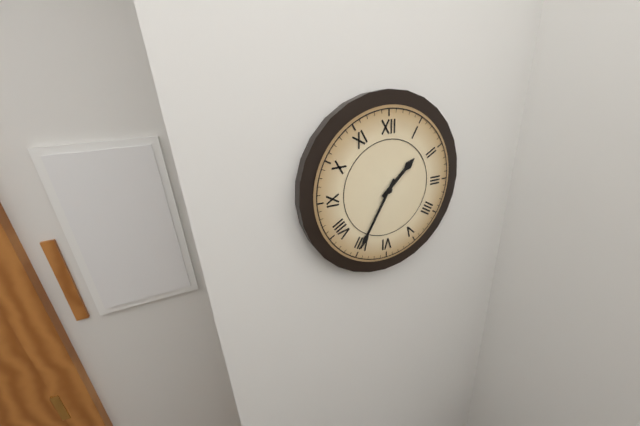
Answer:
1,35
